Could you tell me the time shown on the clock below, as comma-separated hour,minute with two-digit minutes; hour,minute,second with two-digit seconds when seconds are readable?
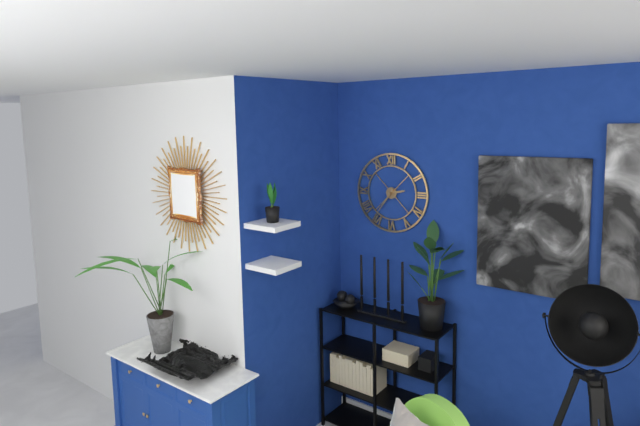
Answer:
2,36
